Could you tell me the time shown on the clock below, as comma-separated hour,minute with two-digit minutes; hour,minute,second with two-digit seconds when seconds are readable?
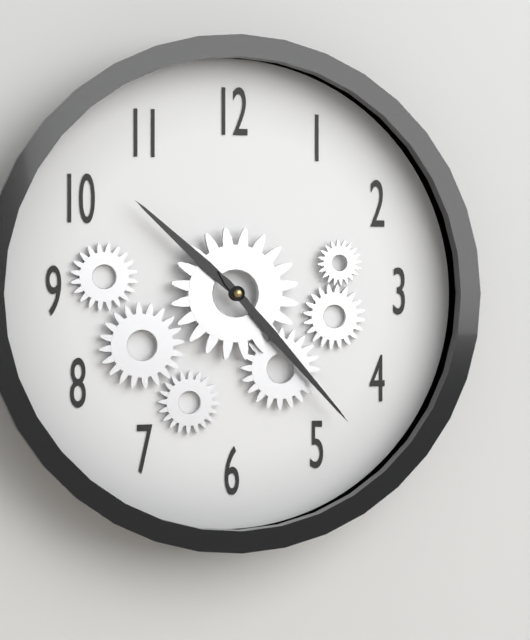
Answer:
10,23
